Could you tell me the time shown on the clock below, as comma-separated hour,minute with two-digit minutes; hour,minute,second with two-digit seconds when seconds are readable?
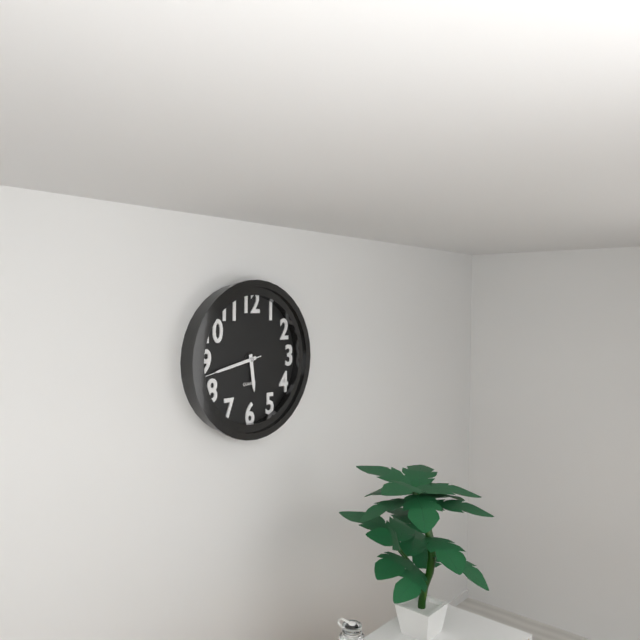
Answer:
5,43,43
